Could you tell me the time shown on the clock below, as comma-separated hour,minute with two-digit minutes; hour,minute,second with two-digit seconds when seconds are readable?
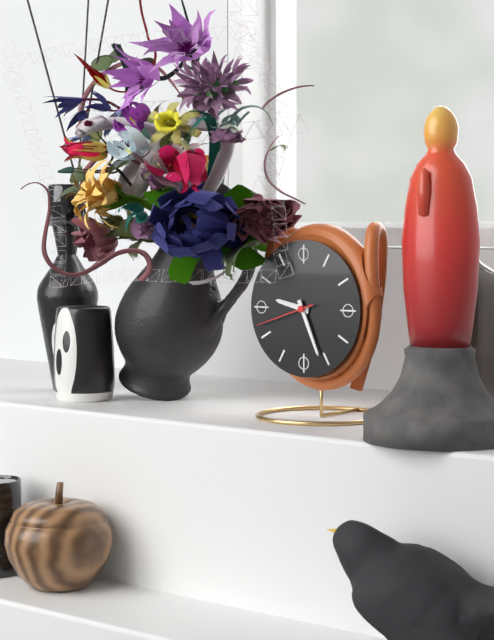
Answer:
9,26,42
